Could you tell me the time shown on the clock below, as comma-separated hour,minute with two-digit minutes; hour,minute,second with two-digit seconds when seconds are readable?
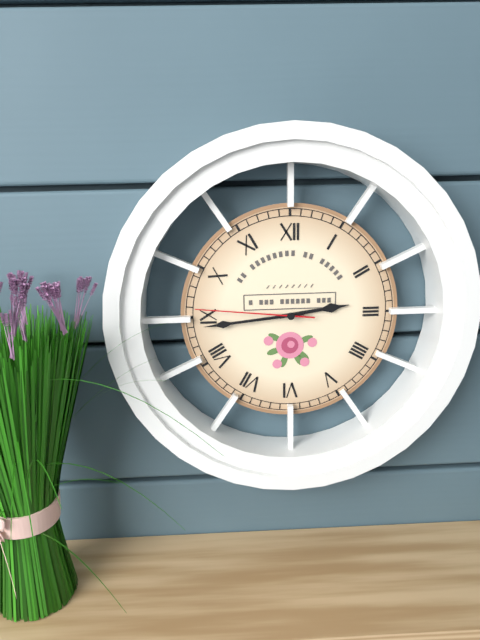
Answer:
2,44,46
